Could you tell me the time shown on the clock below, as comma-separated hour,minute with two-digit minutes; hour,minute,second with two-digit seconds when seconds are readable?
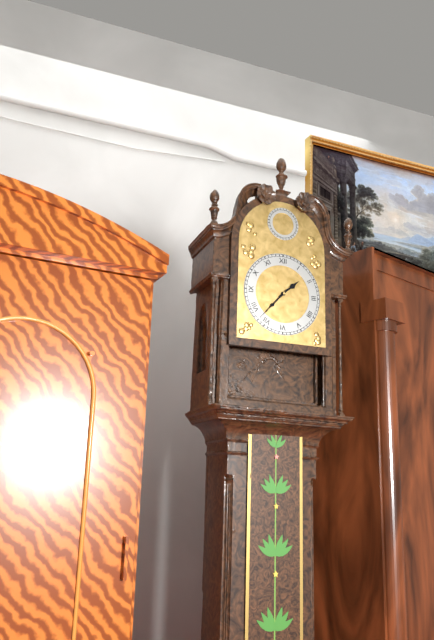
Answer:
1,37
